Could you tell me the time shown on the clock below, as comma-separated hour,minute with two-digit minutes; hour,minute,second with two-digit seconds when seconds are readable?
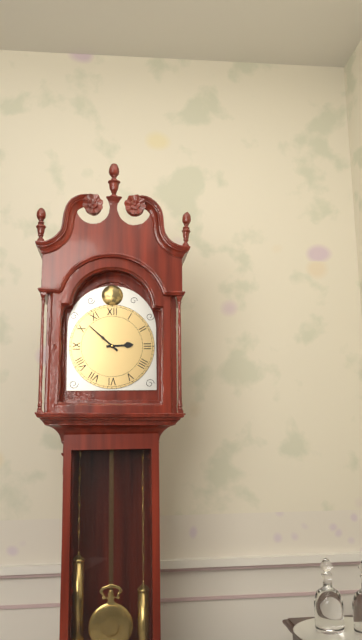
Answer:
2,52
